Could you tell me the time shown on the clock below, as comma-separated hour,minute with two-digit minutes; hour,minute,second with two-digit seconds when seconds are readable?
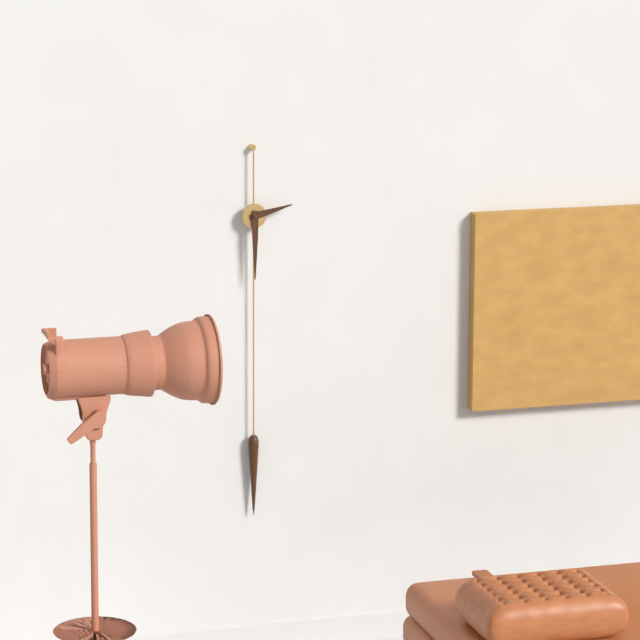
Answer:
2,30
